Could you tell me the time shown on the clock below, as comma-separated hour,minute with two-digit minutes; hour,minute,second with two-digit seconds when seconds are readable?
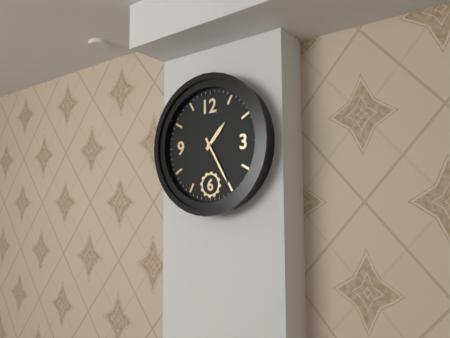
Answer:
1,25
